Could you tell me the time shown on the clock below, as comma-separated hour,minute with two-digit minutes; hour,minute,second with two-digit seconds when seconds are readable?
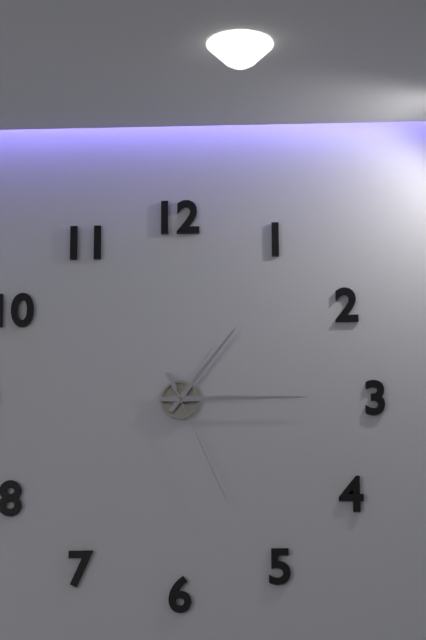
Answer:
1,15,26
